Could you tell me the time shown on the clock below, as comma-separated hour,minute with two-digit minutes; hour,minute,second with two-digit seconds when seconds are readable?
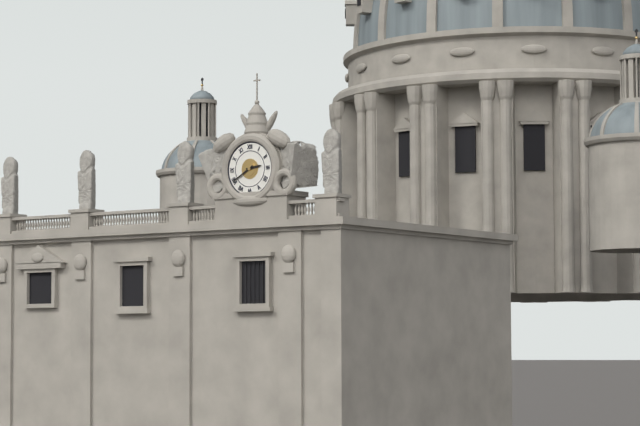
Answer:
2,40
